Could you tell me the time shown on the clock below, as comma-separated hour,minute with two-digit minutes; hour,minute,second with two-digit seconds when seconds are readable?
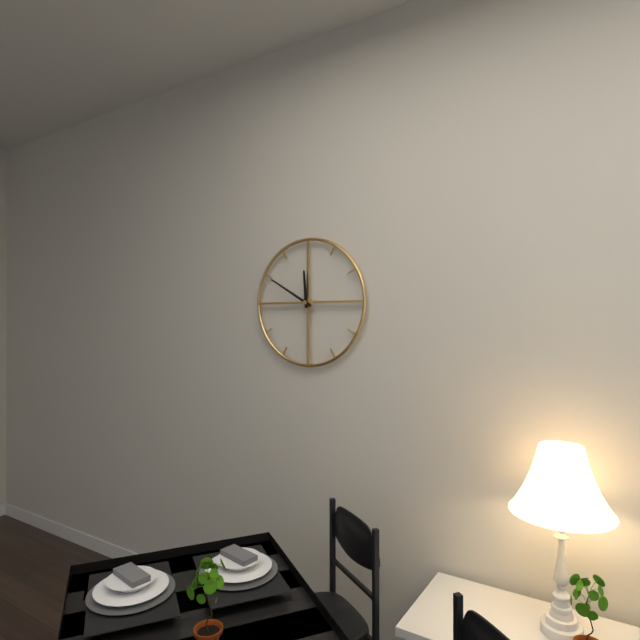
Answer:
11,50
